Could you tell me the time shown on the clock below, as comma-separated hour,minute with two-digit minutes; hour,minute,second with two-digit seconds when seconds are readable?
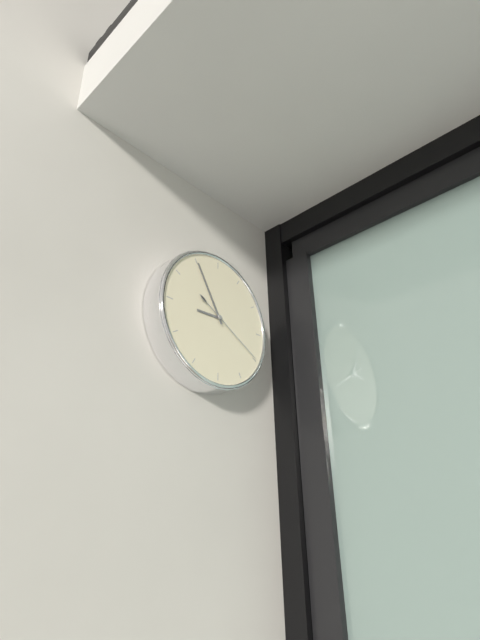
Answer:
8,55,20
